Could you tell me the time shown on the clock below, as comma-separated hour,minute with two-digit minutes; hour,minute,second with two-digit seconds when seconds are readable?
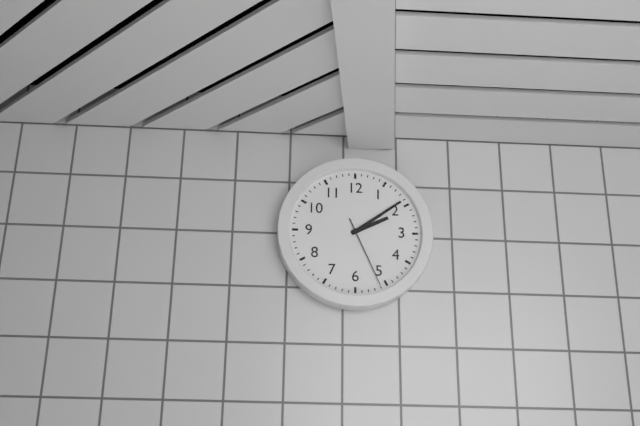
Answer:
2,09,26
